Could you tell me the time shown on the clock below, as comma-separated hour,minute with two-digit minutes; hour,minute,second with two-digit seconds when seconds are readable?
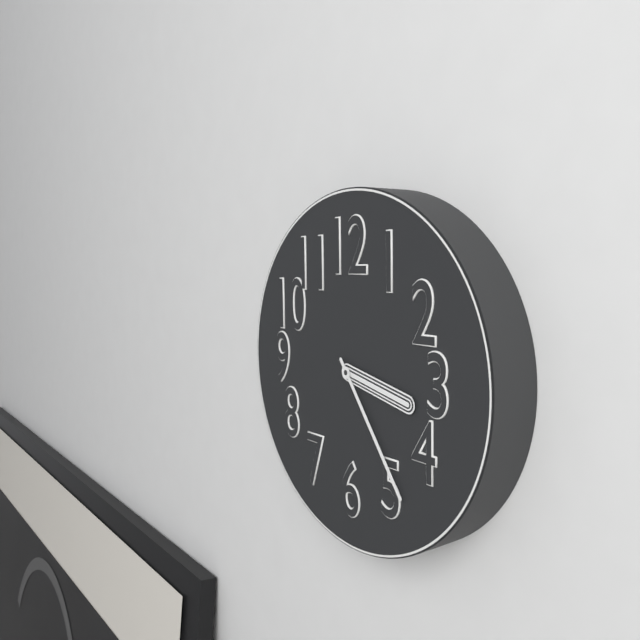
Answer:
3,24
